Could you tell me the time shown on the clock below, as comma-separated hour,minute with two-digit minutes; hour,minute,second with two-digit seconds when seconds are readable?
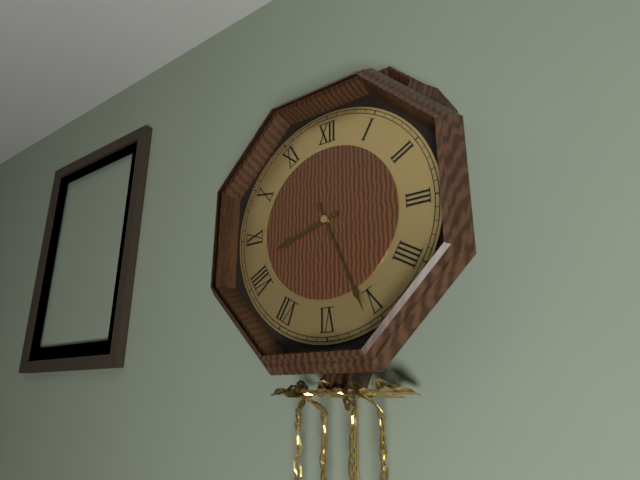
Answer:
8,26
